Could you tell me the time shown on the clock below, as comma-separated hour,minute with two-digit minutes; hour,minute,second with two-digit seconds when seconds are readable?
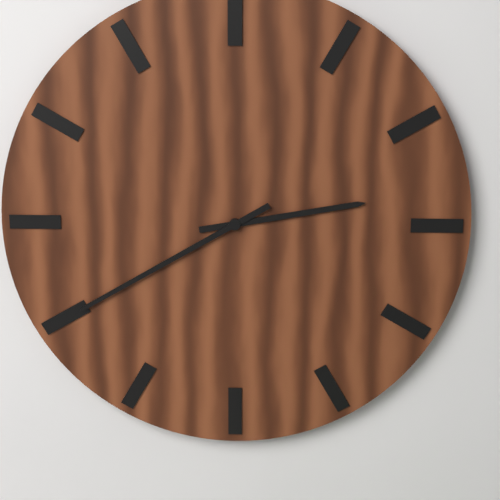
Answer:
2,40
